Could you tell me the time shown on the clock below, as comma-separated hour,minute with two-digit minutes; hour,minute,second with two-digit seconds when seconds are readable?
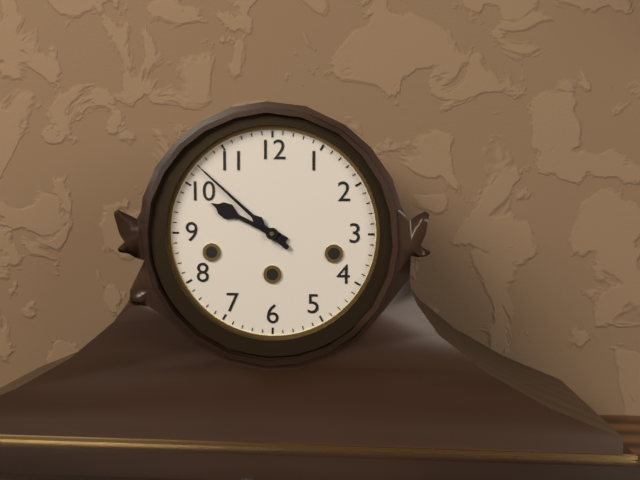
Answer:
9,52
